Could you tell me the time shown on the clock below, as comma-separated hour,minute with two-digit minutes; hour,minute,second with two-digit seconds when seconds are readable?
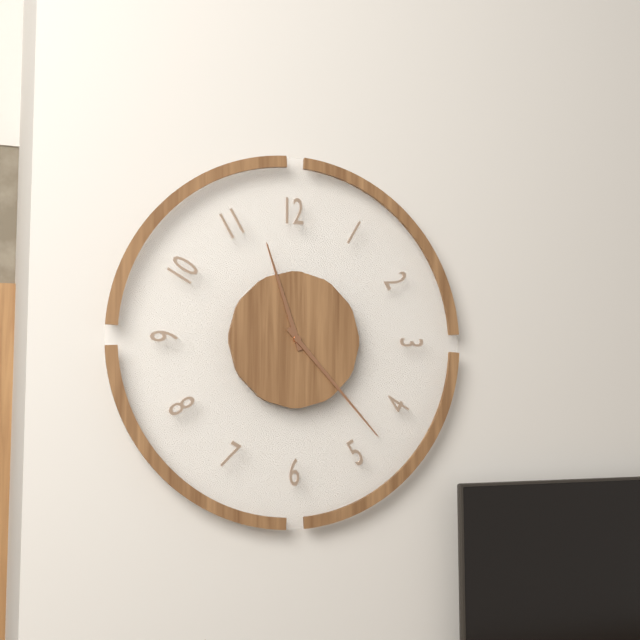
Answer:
11,23
